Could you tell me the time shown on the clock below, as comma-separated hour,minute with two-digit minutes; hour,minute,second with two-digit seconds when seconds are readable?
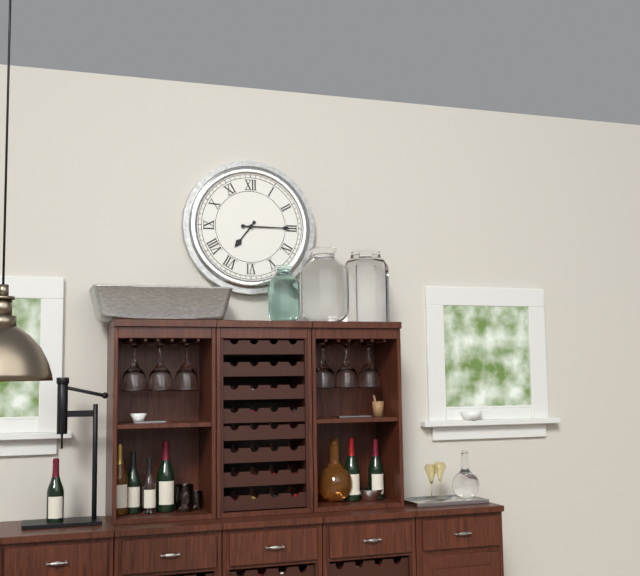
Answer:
7,15
